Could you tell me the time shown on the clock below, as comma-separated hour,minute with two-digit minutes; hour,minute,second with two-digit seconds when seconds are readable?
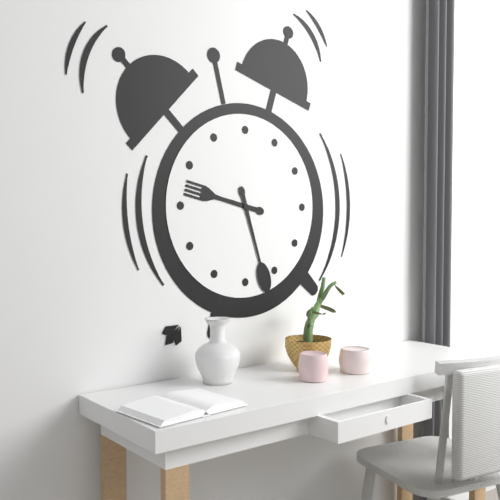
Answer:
9,27
